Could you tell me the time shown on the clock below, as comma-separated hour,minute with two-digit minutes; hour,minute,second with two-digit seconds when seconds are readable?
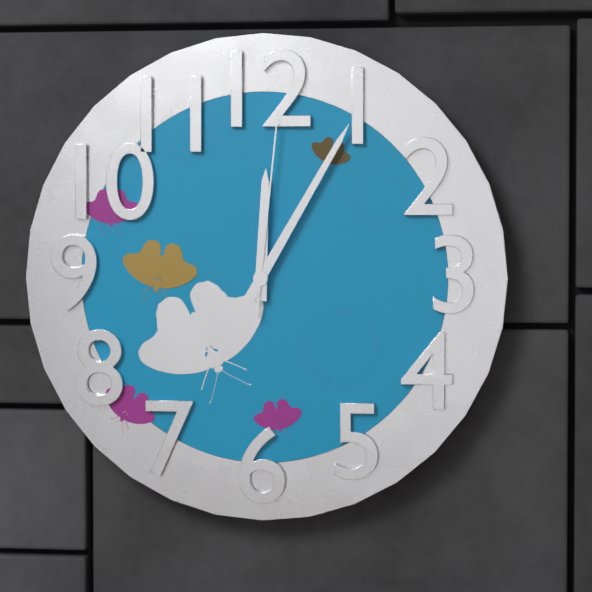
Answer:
12,05,01
